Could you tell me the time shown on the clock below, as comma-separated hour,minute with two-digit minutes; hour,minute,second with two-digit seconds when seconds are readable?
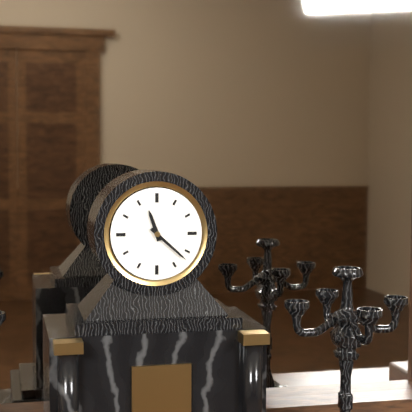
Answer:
11,22
